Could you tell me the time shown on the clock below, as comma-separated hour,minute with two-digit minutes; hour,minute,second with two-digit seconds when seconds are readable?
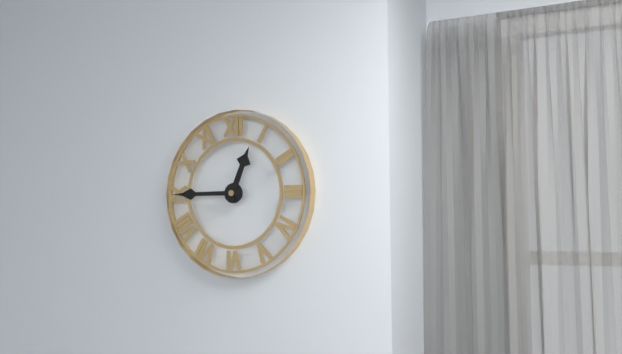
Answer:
12,45
